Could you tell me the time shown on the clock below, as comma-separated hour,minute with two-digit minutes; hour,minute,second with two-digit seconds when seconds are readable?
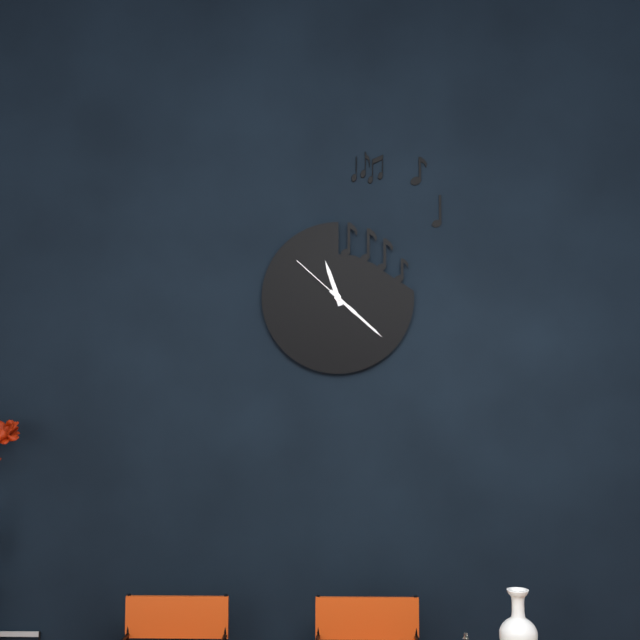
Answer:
11,22,52
